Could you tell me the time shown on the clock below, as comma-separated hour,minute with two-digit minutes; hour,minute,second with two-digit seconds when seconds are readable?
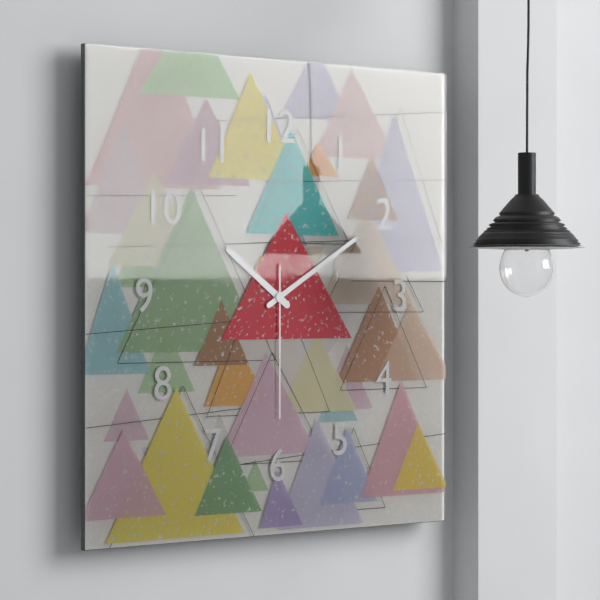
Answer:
10,10,30
